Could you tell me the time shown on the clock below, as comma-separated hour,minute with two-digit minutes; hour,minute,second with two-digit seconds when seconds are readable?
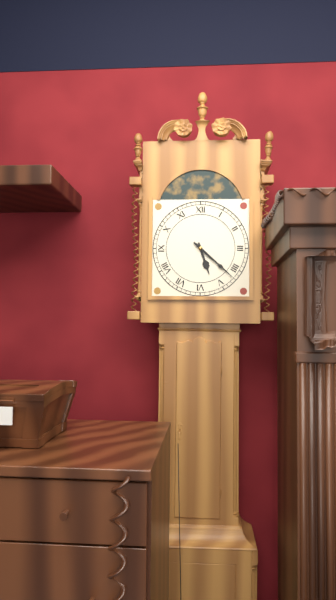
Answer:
5,22
